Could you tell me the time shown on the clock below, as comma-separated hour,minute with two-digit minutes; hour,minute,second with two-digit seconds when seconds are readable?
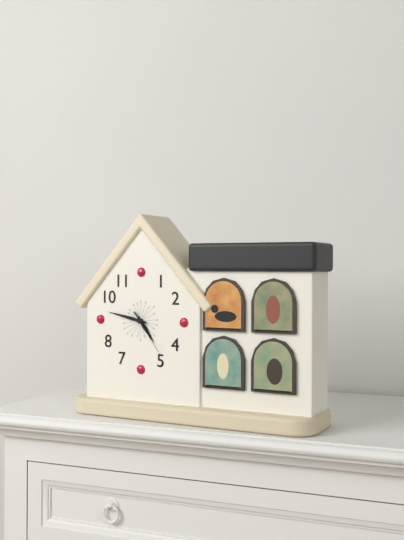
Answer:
4,47
